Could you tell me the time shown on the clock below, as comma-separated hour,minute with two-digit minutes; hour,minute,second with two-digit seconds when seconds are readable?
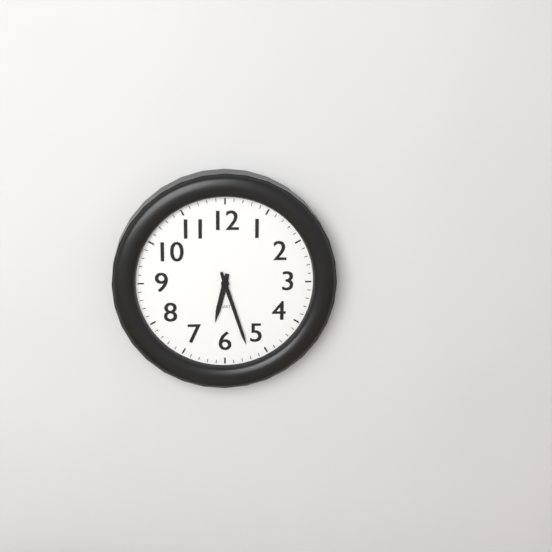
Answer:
6,27
